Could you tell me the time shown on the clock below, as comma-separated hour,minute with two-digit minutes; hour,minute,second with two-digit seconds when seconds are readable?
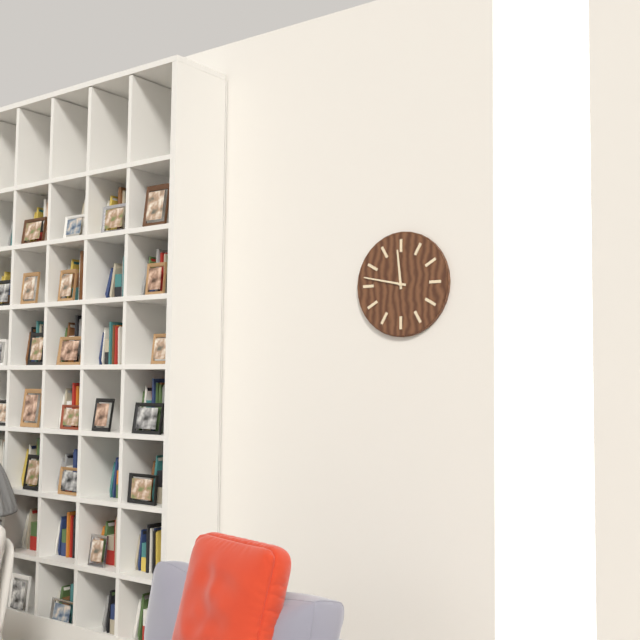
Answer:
11,47
